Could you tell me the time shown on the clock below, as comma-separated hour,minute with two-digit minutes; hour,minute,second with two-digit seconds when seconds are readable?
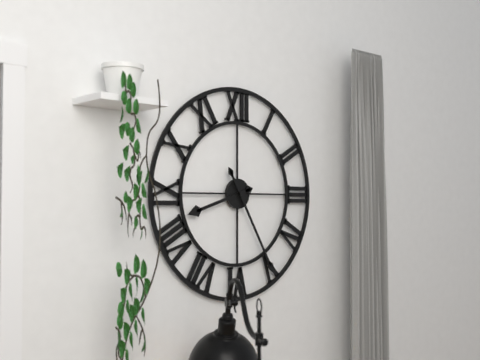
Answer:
8,25
